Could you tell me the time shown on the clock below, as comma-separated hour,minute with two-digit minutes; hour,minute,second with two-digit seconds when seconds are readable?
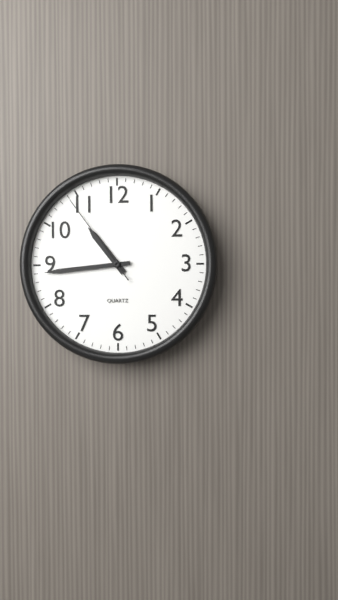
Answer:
10,44,54
